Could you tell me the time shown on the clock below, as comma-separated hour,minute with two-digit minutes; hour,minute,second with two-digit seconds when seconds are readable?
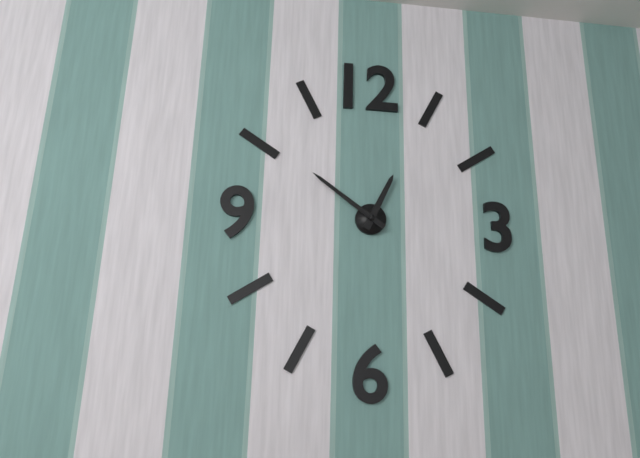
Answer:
12,51
